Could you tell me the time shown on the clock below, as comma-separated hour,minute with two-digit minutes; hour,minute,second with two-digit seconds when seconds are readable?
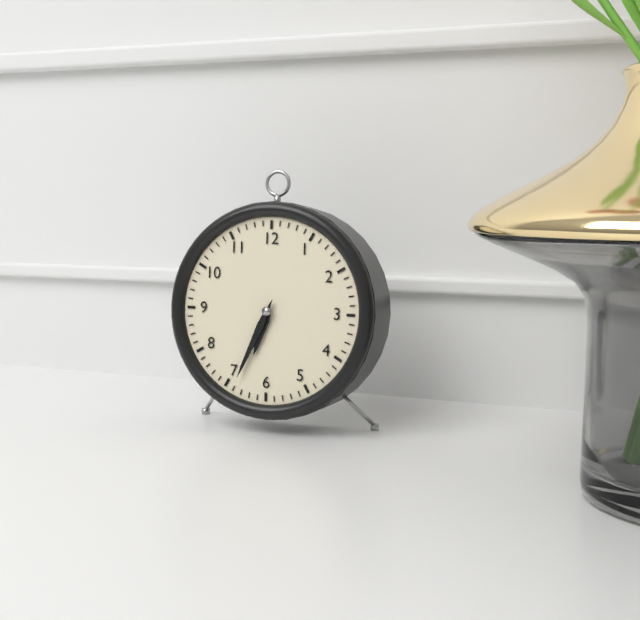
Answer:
6,34
